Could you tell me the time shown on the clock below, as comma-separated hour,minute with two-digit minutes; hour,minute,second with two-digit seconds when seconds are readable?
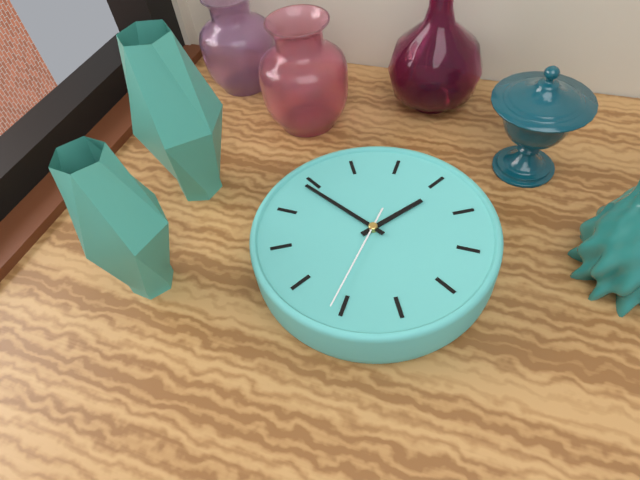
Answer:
6,14,56
